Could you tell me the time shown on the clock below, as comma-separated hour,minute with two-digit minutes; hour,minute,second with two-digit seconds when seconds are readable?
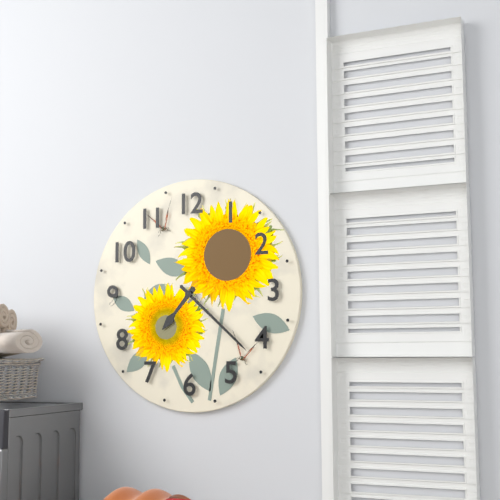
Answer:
7,22
